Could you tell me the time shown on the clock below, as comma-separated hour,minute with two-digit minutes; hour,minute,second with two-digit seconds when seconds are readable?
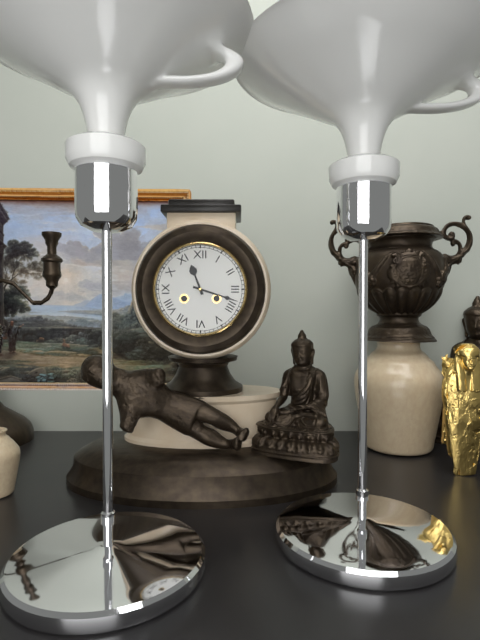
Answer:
11,18
